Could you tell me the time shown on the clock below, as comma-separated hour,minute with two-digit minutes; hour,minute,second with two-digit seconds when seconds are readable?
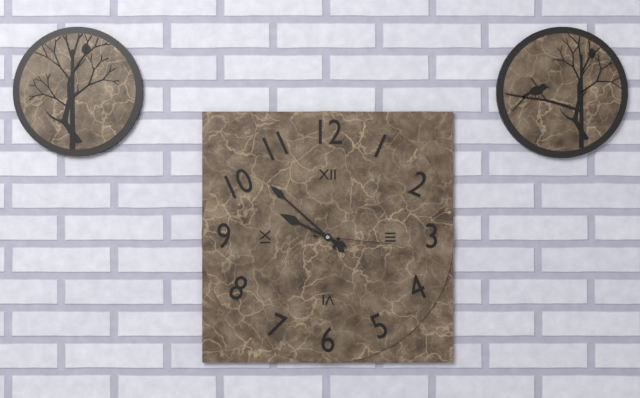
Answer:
9,52,16
